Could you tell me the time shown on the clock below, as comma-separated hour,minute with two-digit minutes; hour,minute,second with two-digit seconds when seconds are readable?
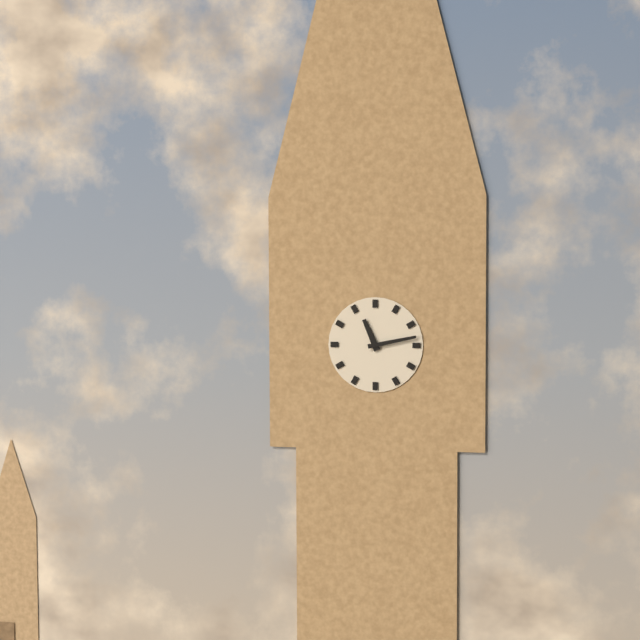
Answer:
11,13
